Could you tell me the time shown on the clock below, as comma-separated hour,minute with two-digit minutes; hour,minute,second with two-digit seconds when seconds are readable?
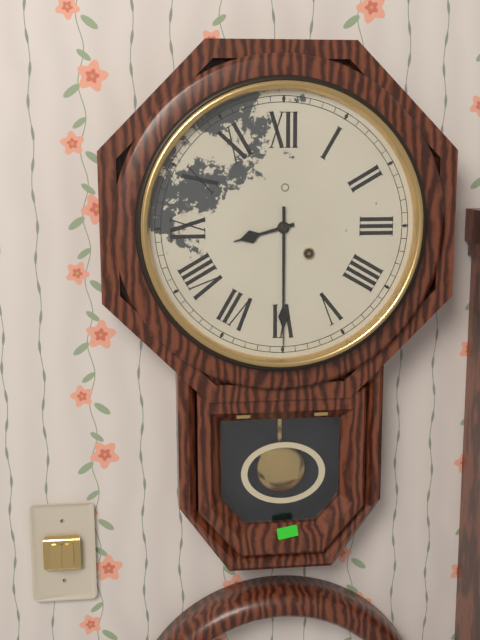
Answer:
8,30
